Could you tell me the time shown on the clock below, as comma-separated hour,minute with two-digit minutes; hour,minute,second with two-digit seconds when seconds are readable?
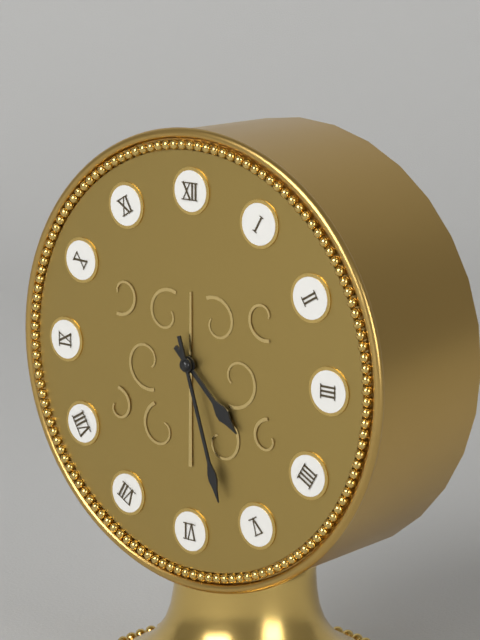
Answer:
4,27
